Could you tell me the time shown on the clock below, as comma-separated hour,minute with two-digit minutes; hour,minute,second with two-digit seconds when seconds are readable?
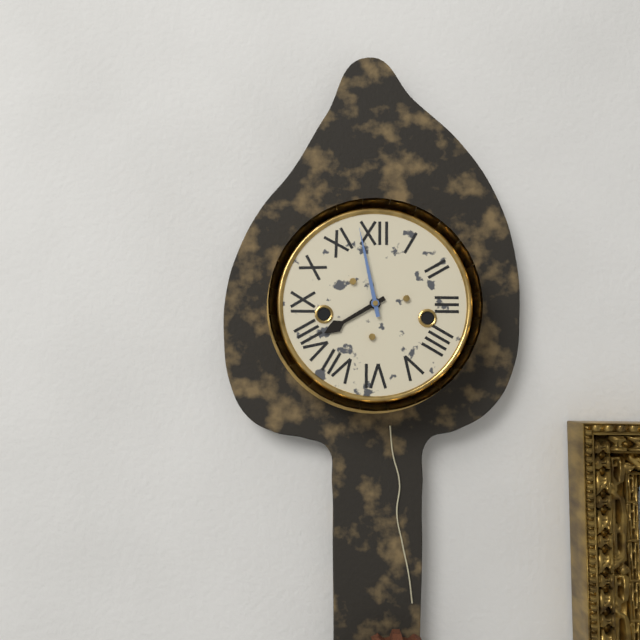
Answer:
7,58
